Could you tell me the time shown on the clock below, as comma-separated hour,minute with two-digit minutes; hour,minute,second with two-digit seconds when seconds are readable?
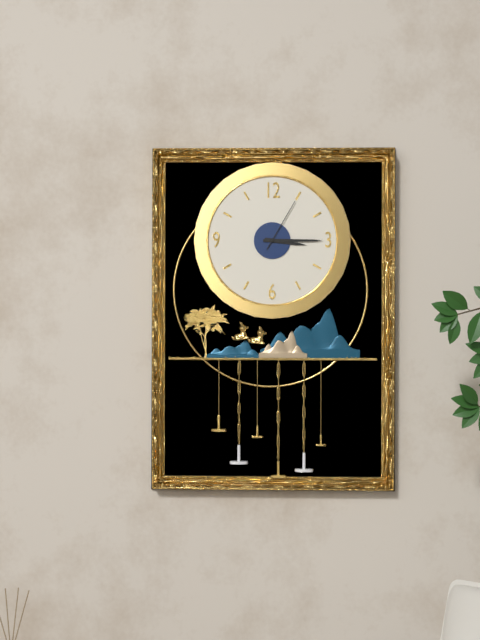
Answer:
3,15,05
